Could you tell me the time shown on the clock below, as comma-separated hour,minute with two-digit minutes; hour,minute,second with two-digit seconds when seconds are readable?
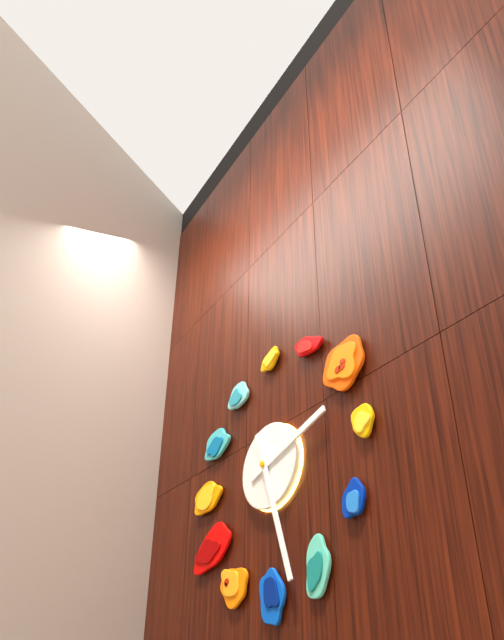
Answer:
2,27
